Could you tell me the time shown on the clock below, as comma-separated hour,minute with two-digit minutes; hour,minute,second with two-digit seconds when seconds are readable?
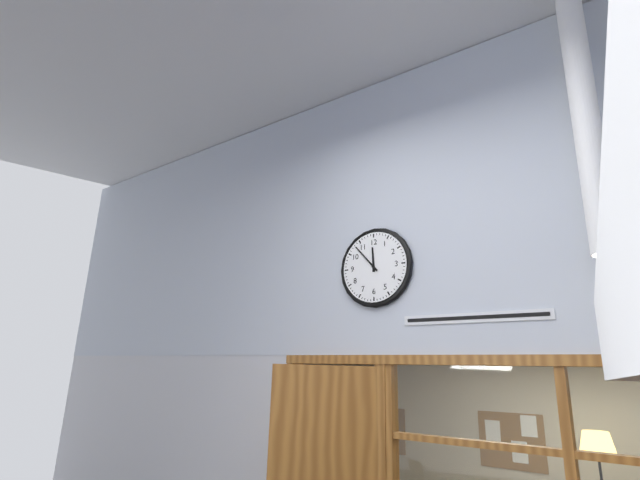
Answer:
11,53
